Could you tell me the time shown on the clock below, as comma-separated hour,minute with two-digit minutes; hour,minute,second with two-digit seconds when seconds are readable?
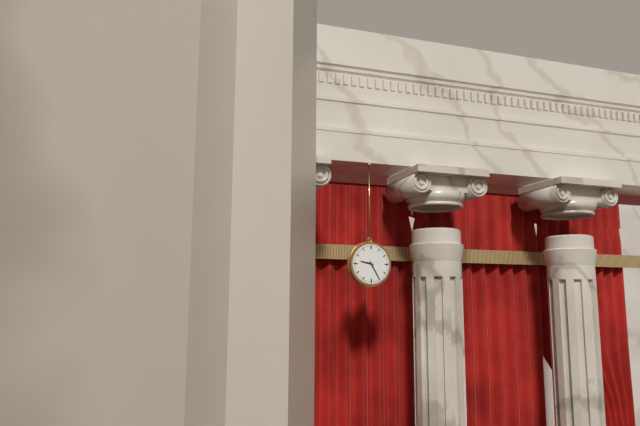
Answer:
9,25
